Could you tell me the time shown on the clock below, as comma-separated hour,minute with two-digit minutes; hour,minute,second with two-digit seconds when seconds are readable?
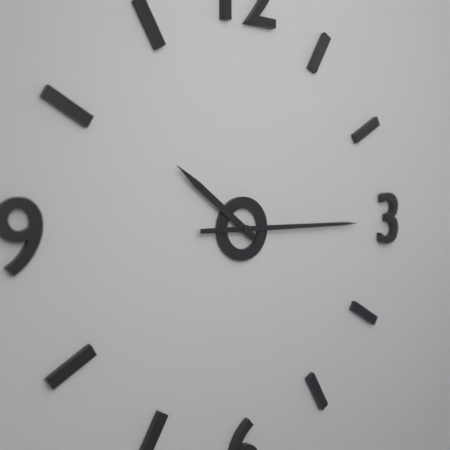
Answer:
10,15
